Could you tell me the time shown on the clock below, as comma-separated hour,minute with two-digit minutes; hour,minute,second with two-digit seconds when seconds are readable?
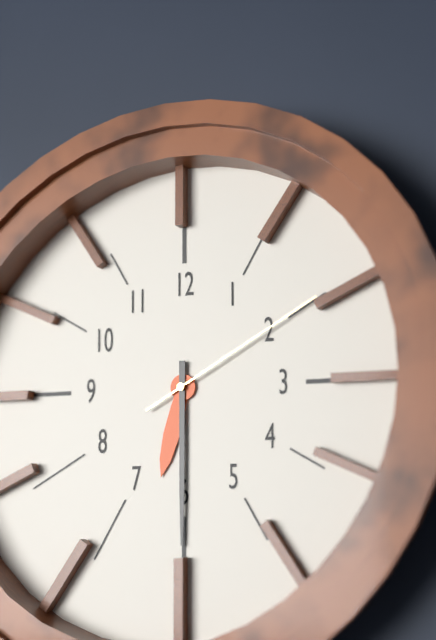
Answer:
6,30,10
